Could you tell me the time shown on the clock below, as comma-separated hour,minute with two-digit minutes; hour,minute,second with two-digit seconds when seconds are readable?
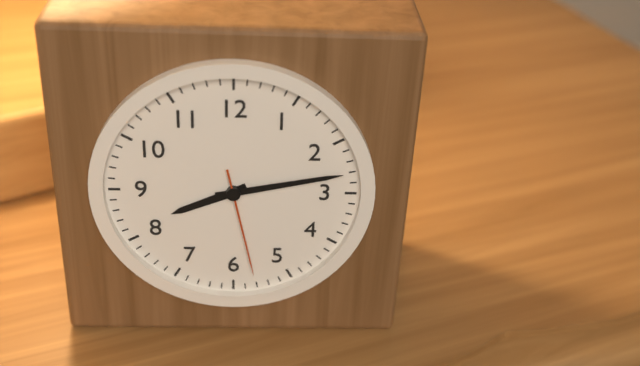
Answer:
8,13,28
